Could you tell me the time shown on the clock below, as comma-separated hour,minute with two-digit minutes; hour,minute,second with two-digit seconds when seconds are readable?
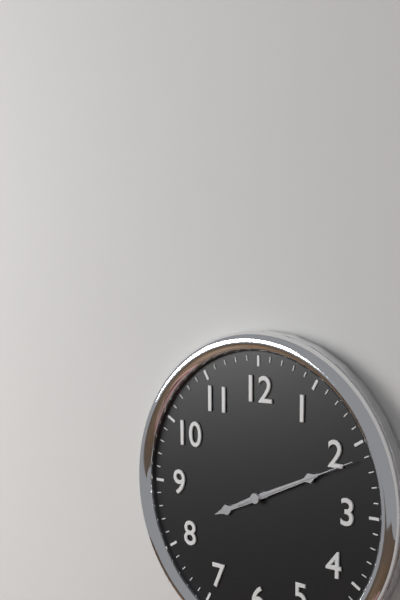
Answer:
8,11,11
